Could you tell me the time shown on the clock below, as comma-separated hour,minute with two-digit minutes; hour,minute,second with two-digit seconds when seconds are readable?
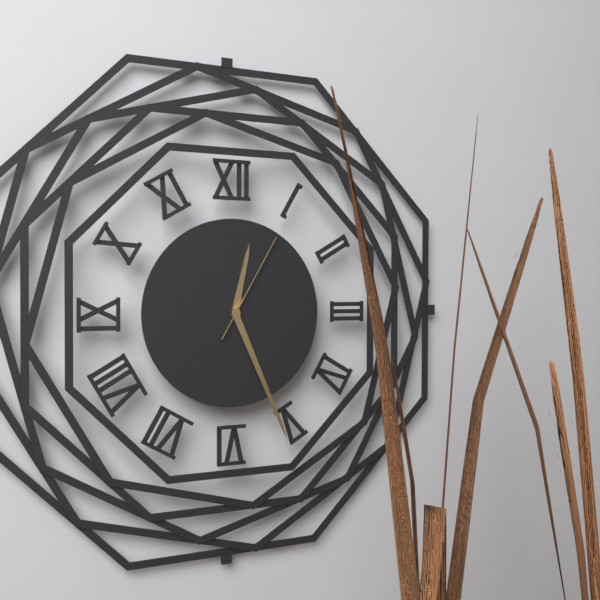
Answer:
12,26,05
